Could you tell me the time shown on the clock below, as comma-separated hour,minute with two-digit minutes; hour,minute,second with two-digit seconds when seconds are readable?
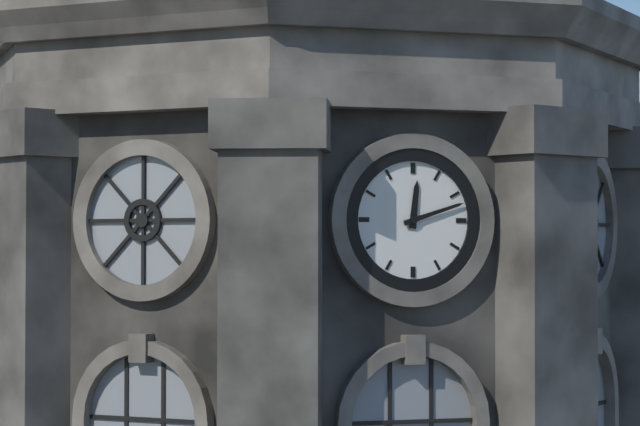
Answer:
12,12
